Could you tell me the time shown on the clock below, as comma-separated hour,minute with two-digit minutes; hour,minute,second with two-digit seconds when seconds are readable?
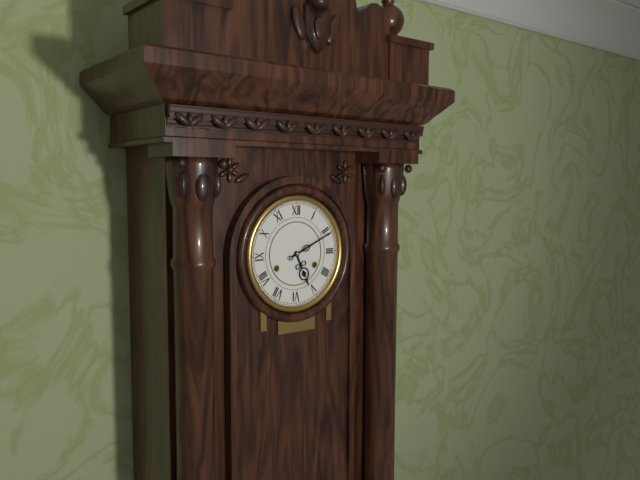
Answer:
5,11
